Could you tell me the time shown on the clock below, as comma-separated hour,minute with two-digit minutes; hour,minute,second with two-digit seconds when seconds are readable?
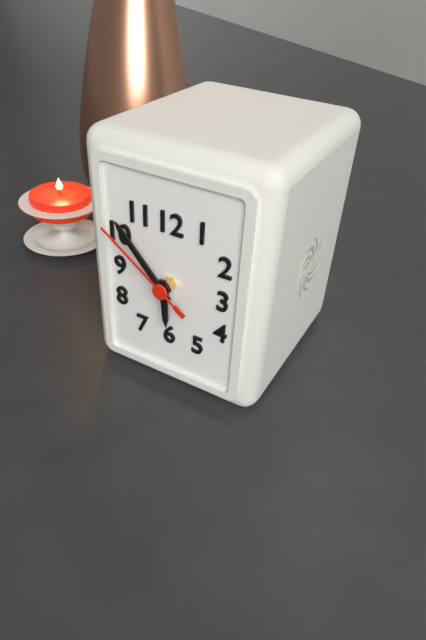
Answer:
5,53,51
